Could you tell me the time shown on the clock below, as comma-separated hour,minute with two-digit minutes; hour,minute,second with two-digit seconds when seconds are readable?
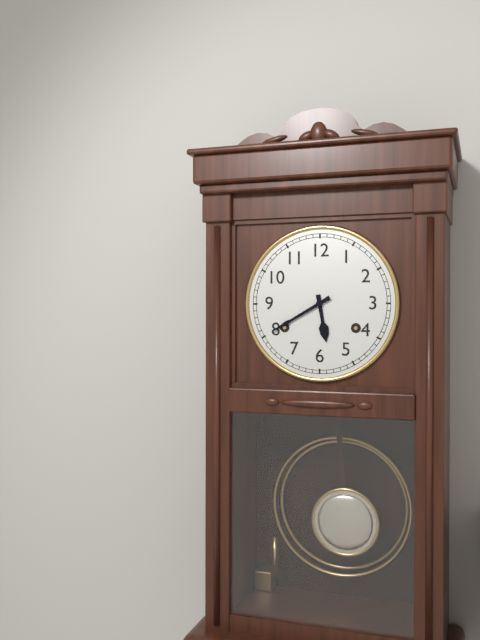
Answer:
5,40
